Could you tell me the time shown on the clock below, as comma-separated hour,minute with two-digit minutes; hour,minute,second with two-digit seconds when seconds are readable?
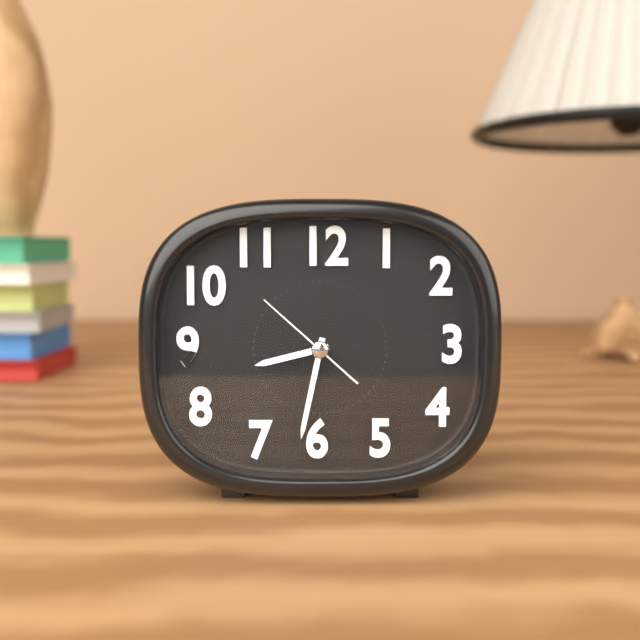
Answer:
8,32,52
